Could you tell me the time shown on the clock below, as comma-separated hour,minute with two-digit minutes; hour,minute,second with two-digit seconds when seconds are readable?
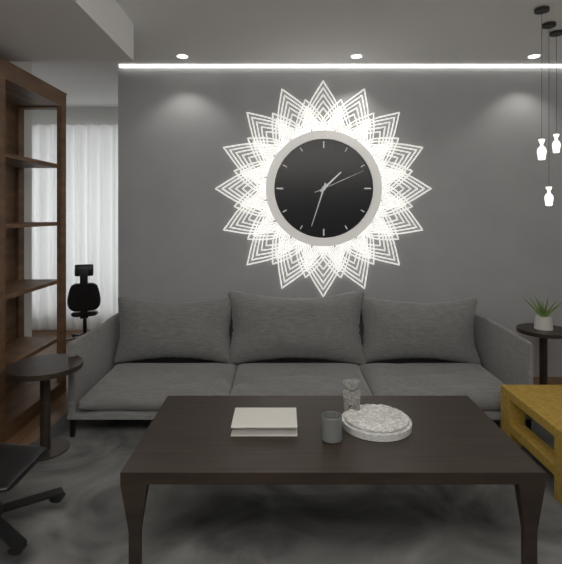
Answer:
1,33,11
